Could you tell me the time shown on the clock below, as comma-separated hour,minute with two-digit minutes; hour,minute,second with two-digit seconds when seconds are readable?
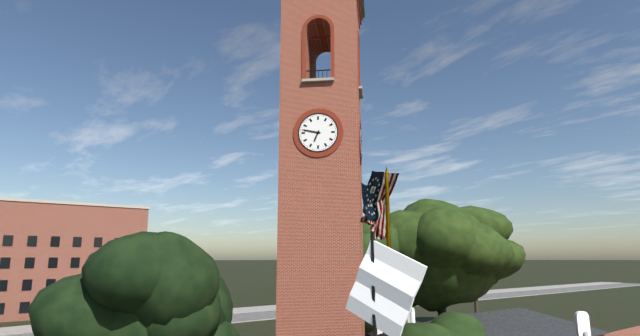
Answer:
6,47
